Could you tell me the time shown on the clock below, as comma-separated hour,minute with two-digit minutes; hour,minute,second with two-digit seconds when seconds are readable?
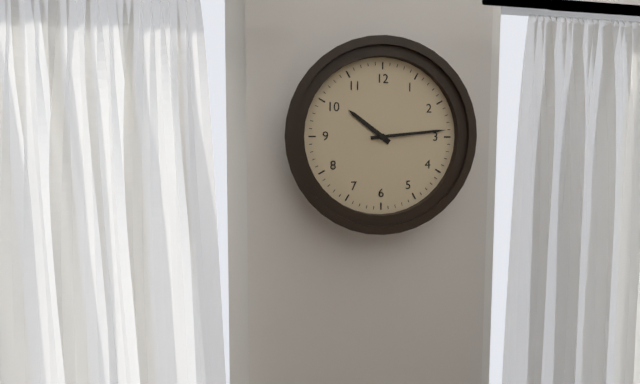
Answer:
10,14
